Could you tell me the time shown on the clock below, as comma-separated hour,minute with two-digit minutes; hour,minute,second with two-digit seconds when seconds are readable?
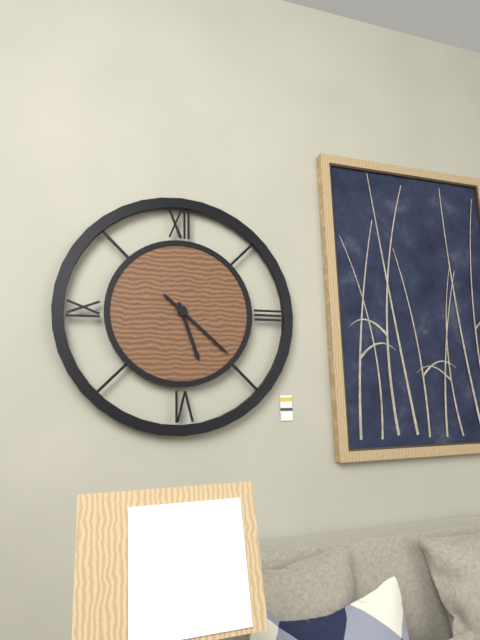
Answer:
5,22
